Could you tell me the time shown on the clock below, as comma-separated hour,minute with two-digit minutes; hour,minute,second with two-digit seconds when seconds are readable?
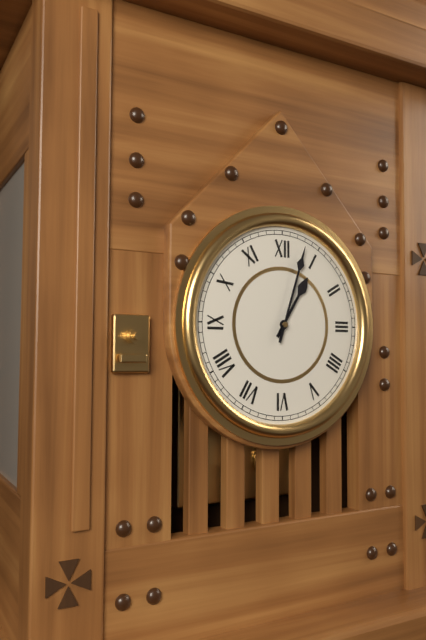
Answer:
1,03
